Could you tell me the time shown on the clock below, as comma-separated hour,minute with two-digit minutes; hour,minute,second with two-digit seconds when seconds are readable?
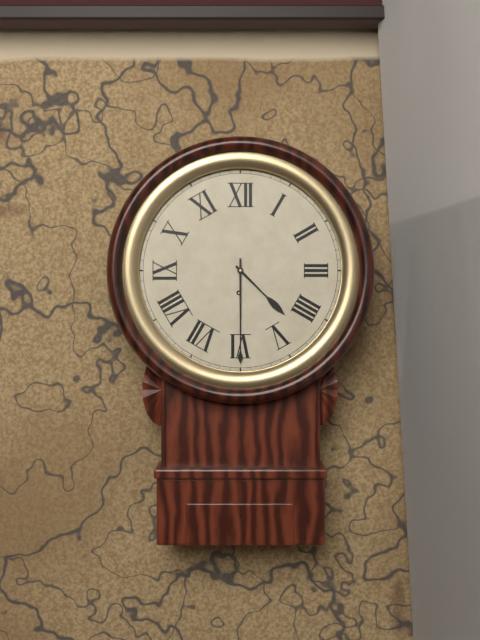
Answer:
4,30
